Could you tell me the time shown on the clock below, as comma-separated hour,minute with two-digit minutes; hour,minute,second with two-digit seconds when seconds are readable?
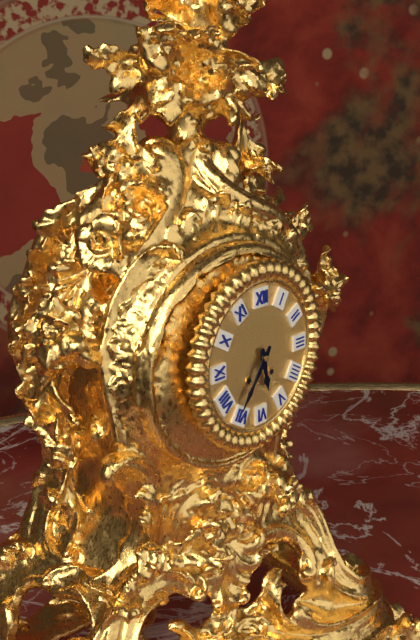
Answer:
5,36
